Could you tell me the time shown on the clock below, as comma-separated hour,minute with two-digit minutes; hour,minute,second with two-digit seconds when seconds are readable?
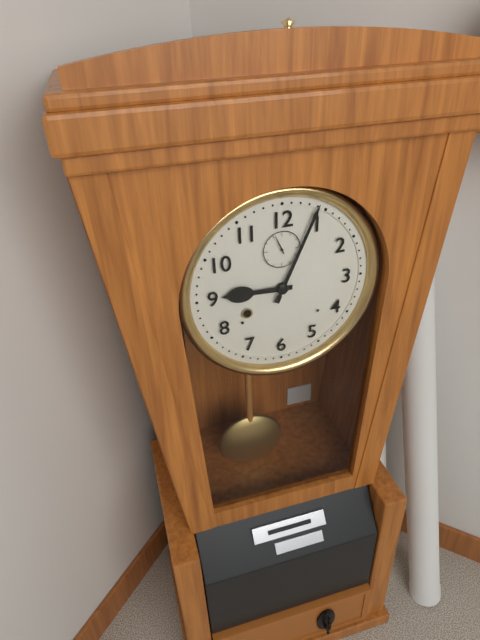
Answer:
9,04
